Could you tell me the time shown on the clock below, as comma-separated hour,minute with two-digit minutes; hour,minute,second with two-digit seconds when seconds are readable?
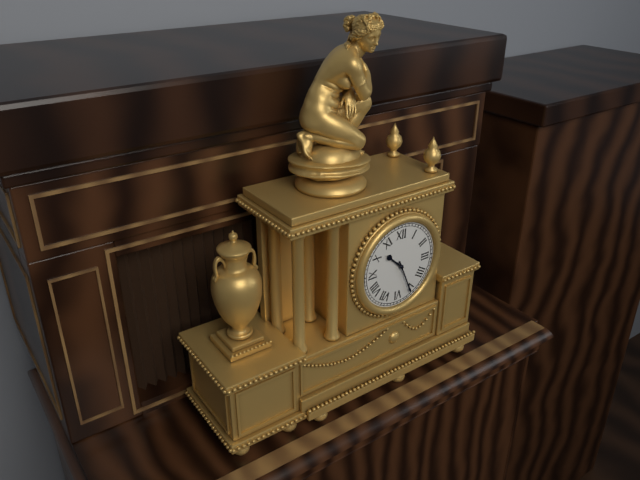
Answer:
10,26
